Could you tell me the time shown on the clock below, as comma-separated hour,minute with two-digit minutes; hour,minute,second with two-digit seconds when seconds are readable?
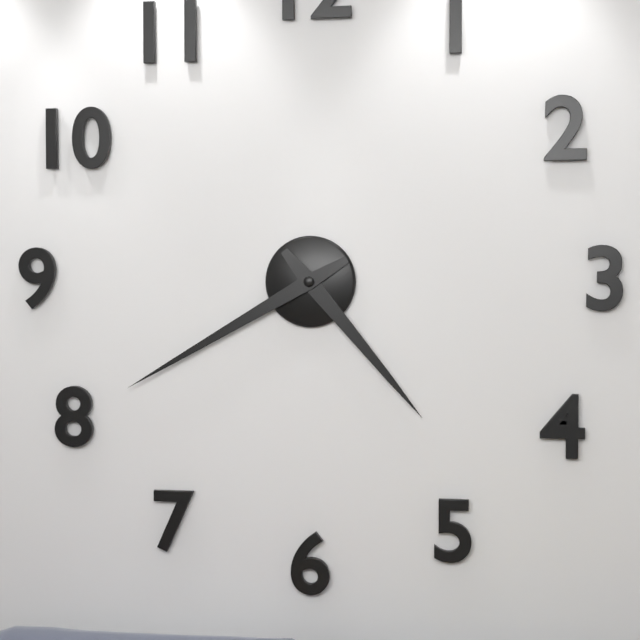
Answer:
4,40
